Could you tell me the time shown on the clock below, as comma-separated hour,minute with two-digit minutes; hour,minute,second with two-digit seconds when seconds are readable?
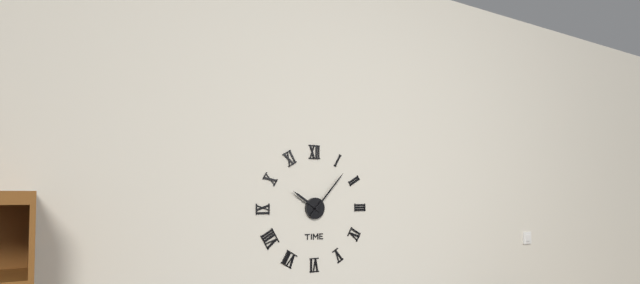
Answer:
10,07
